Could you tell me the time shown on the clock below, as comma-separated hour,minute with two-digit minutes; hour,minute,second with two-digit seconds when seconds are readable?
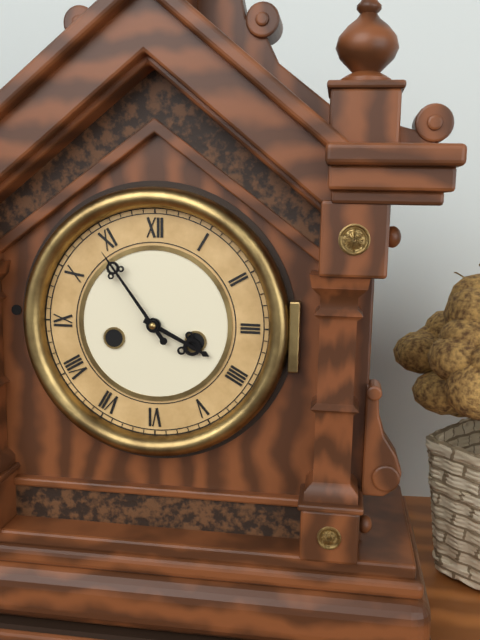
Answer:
3,54
